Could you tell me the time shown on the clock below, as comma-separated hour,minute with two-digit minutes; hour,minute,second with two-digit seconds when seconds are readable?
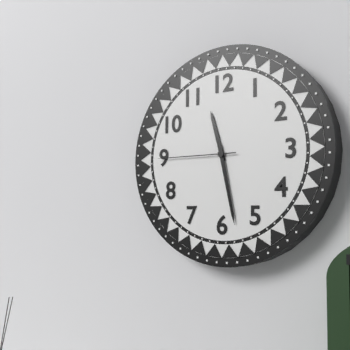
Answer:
11,28,45
